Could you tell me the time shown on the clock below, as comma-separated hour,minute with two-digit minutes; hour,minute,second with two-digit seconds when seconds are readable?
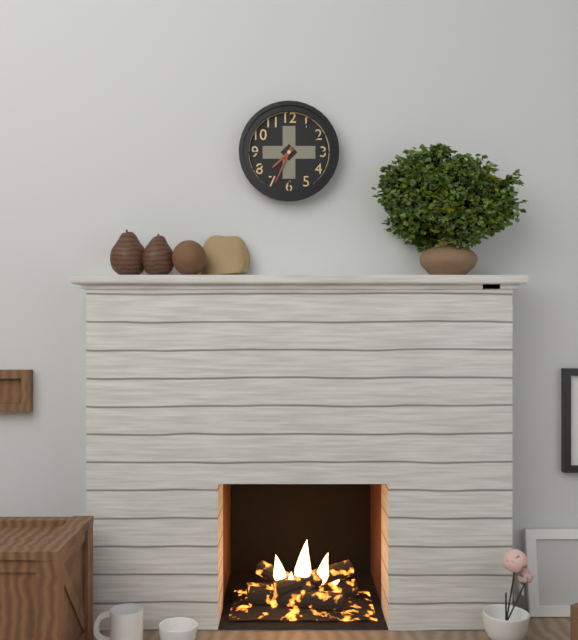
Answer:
7,34
